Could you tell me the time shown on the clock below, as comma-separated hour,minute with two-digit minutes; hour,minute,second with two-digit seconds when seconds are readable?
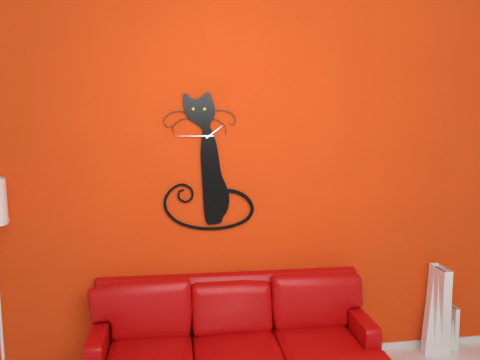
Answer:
1,45
